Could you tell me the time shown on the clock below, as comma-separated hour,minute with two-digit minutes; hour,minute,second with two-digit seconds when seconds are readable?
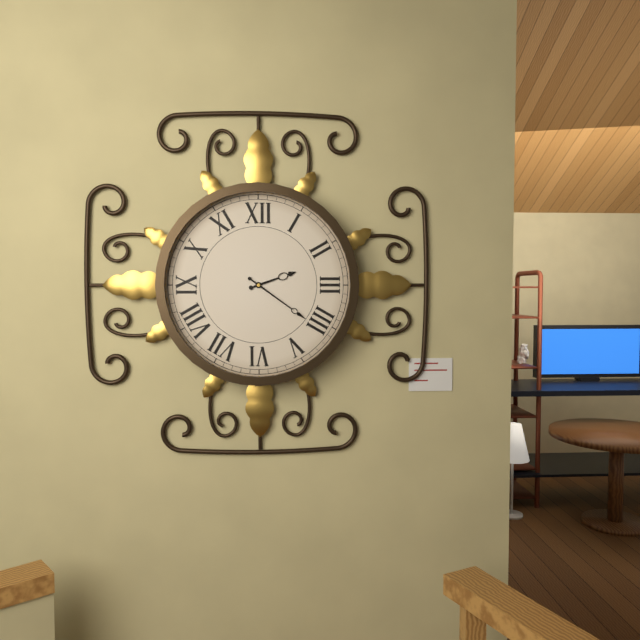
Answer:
2,21
